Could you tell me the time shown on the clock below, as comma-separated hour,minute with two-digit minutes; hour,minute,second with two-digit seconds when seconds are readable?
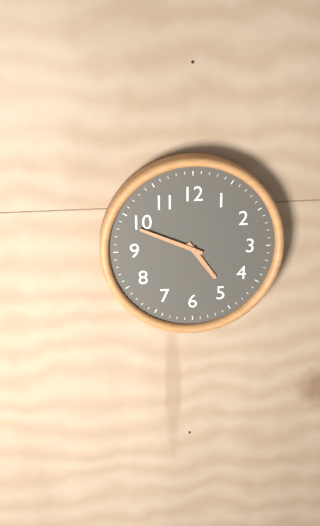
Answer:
4,49
